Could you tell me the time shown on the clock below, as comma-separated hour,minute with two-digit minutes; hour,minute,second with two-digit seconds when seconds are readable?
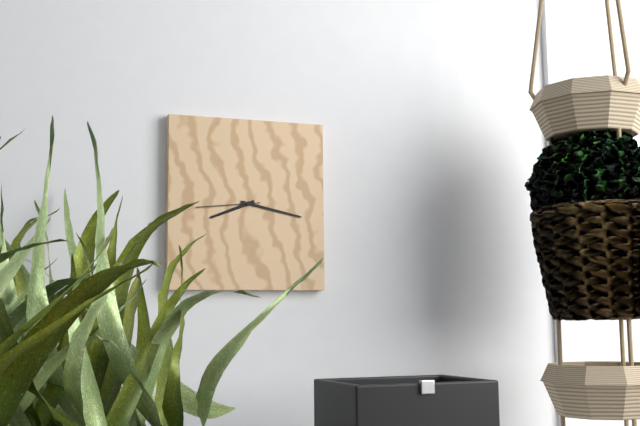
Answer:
8,17,44
